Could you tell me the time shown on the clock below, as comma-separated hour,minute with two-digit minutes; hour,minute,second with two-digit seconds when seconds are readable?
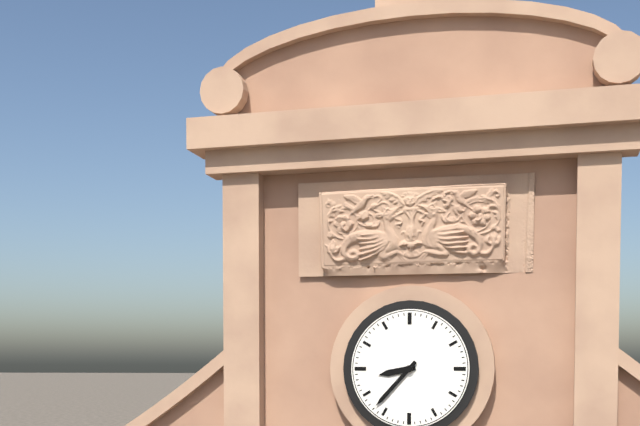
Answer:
8,37
